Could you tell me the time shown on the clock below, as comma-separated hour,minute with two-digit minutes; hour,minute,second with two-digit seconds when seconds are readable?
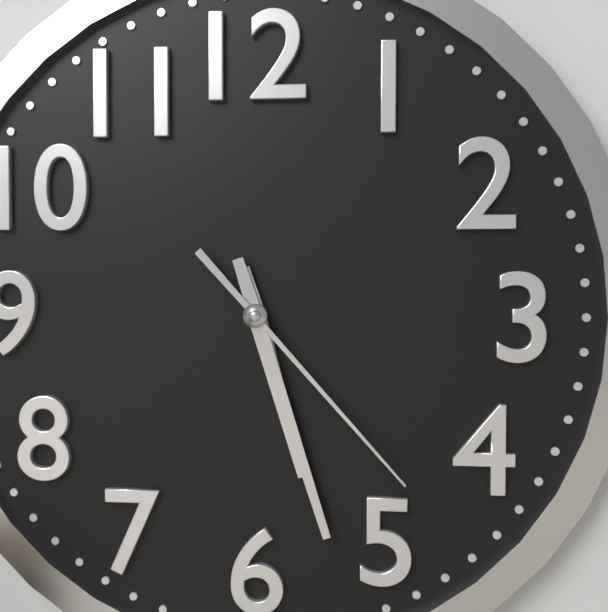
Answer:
5,27,23
